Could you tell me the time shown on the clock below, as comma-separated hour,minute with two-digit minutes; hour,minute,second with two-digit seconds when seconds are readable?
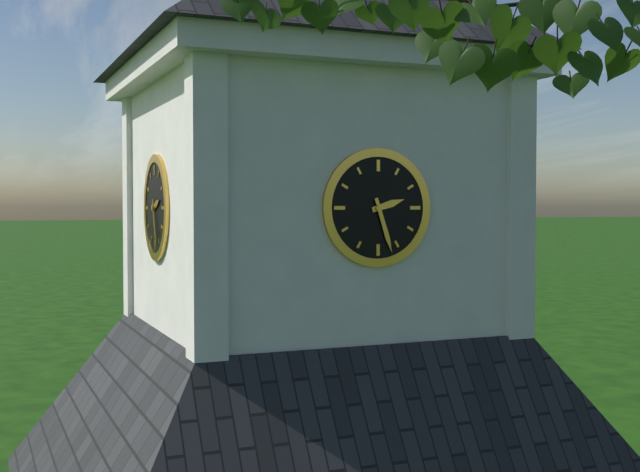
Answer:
2,27
